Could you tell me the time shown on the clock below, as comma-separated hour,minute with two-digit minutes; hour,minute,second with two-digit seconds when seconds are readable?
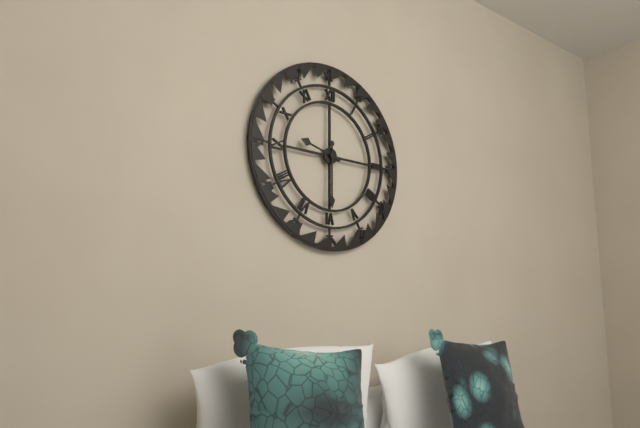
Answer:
9,30
